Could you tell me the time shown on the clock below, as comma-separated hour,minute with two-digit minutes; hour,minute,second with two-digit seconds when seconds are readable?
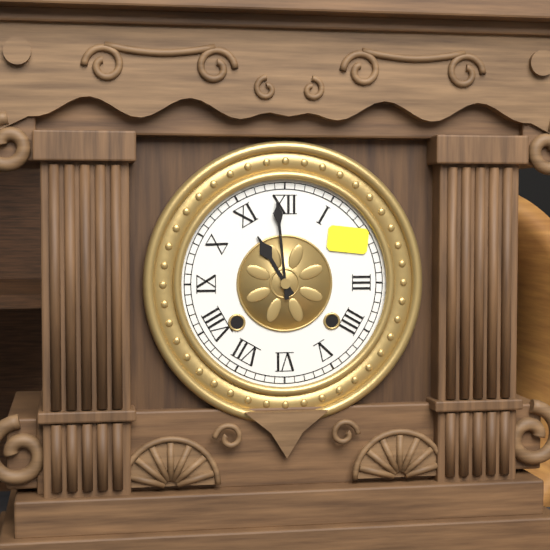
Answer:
10,59
